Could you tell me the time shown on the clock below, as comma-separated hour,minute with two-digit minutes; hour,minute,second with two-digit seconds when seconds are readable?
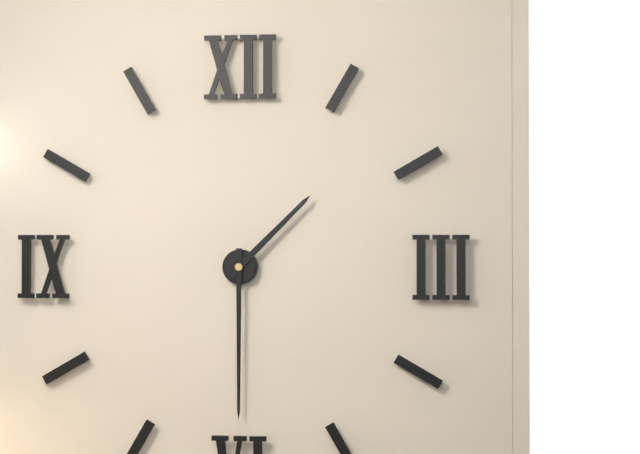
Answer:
1,30
